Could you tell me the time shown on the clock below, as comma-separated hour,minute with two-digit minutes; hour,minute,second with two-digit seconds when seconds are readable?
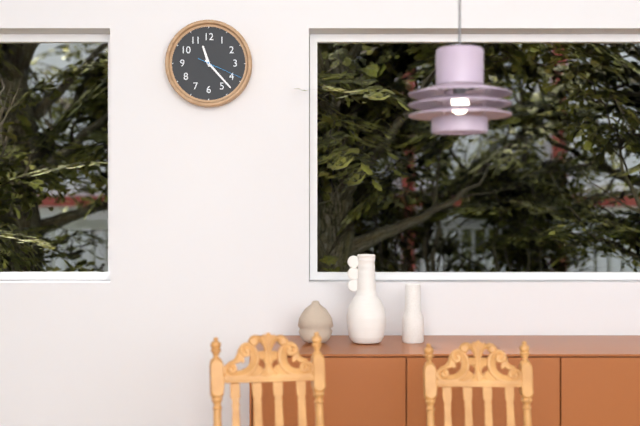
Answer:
11,23
